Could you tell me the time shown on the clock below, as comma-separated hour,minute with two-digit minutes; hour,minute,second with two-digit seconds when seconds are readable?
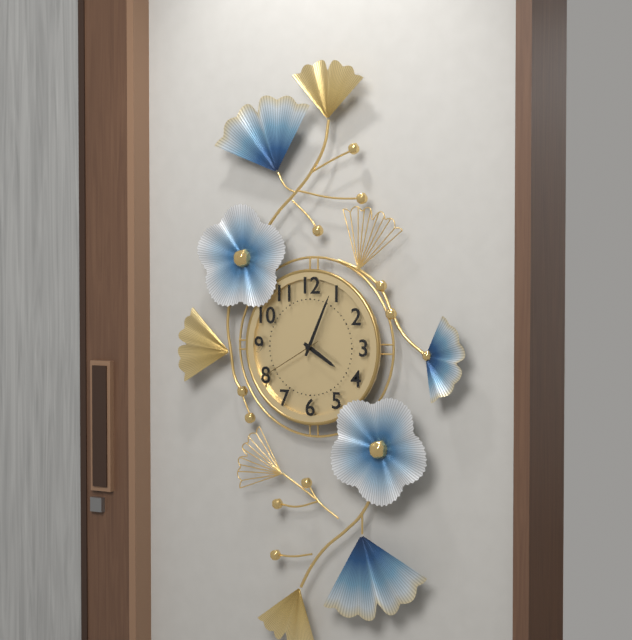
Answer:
4,04,40
